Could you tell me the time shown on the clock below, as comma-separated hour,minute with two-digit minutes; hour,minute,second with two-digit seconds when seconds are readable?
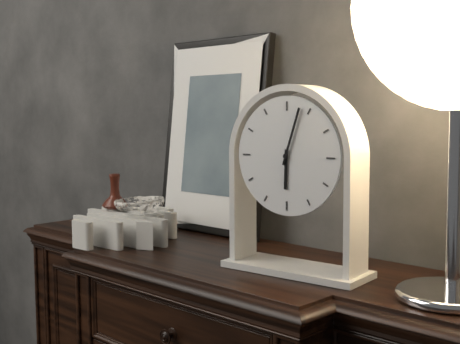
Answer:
6,03
